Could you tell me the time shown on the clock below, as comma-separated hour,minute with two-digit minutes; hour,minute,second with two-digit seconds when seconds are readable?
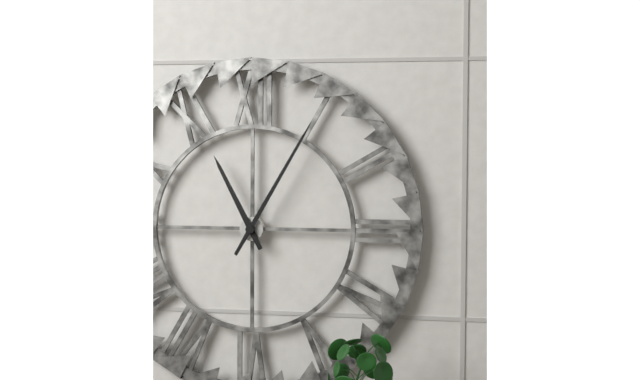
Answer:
11,05
